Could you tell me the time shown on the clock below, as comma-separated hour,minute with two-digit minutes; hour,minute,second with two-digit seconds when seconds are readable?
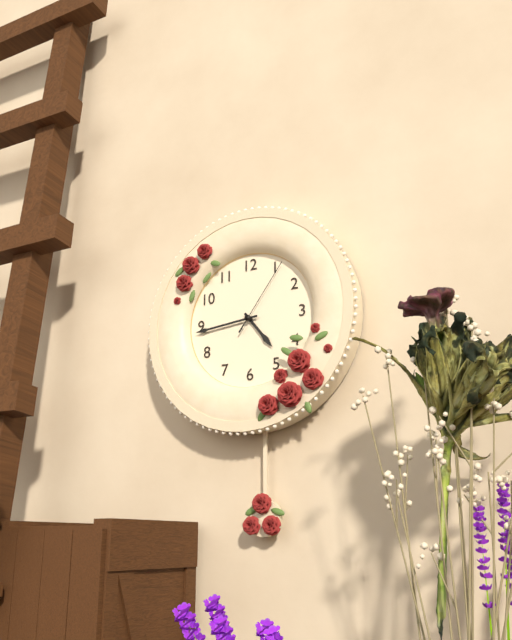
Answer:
4,44,06
